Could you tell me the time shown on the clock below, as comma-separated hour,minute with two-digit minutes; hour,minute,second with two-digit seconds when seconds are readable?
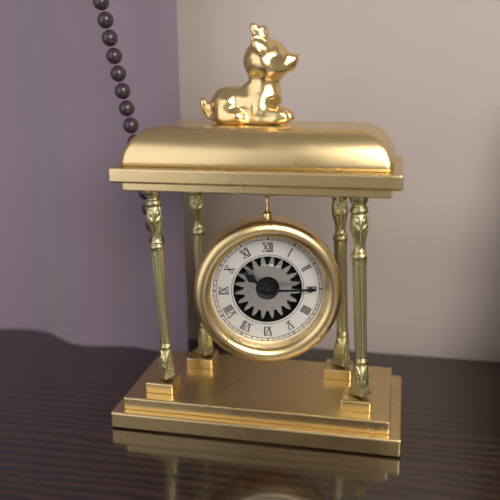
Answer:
10,15
